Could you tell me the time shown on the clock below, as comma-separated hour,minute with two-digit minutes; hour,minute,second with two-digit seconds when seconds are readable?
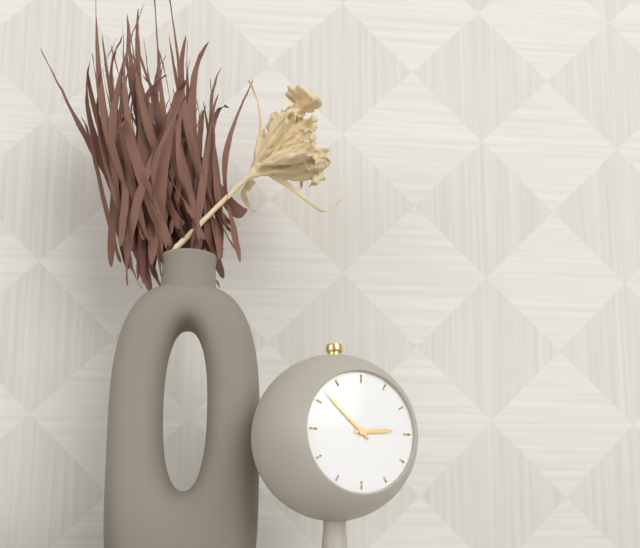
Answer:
2,52
